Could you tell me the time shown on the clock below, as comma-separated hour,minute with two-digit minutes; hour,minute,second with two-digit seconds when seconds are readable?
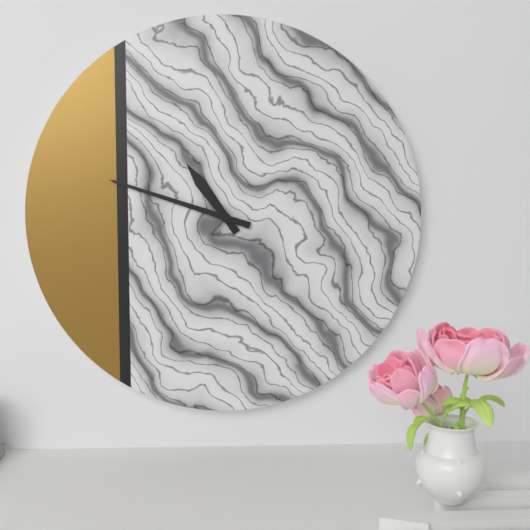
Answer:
10,48
